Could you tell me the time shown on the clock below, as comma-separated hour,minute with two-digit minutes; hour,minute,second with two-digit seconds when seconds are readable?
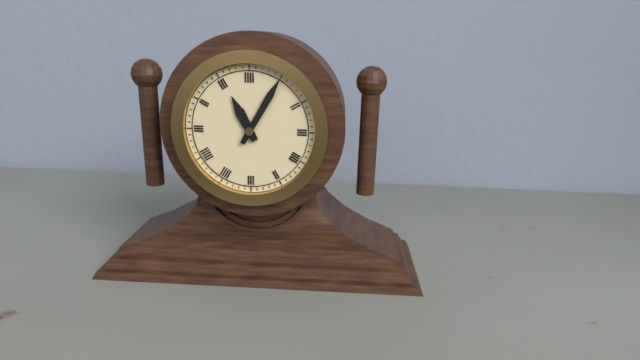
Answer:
11,05
